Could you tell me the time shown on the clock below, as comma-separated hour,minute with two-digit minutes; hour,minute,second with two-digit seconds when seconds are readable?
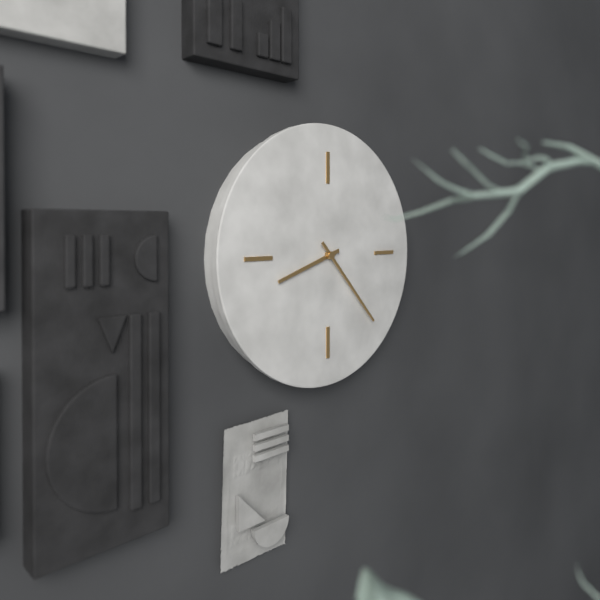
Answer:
8,23
